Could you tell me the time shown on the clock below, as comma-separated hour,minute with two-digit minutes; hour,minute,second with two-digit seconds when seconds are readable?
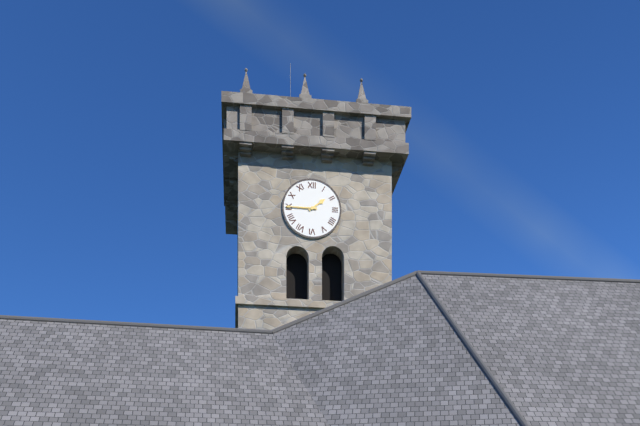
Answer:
1,45
